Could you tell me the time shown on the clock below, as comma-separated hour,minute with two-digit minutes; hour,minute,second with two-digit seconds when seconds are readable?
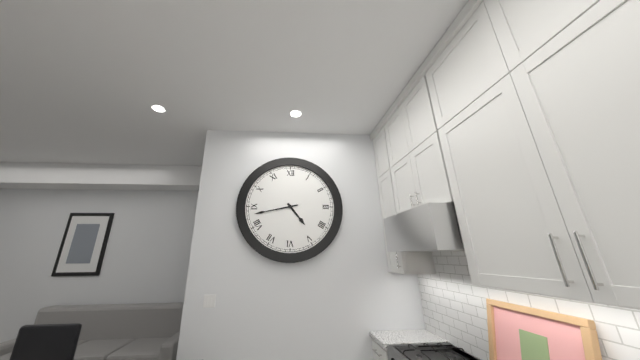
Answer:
4,43
